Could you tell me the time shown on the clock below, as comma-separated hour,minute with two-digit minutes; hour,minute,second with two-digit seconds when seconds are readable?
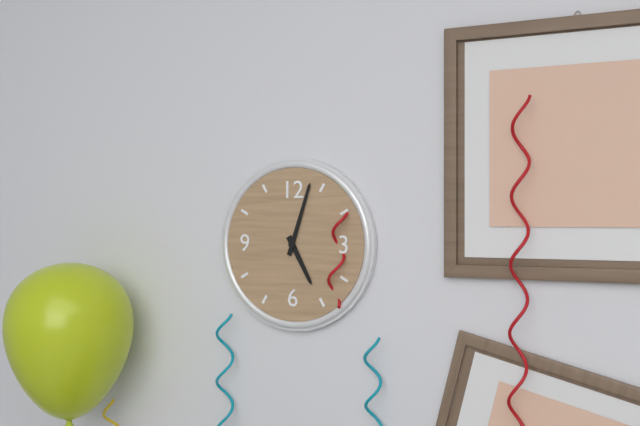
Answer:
5,03
